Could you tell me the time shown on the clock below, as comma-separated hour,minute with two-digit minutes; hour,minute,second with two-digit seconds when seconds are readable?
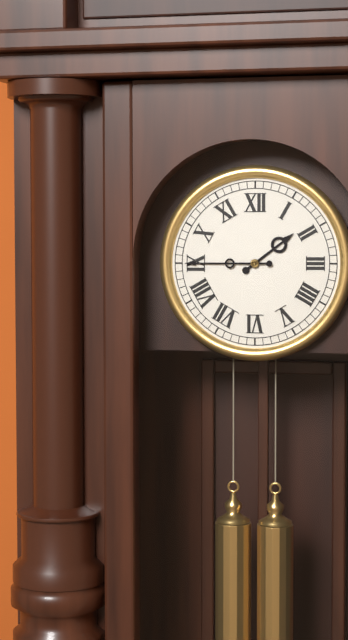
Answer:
1,45
